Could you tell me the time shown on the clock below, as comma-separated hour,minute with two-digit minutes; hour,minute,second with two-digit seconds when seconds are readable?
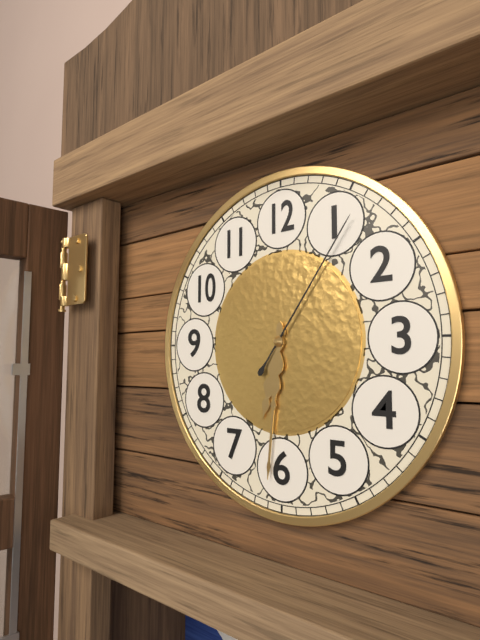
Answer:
6,31,06
